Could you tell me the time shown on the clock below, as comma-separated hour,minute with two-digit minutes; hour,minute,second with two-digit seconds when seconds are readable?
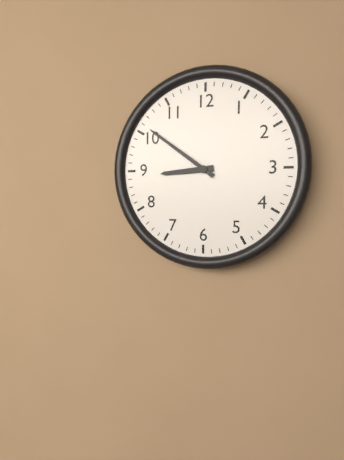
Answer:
8,51
